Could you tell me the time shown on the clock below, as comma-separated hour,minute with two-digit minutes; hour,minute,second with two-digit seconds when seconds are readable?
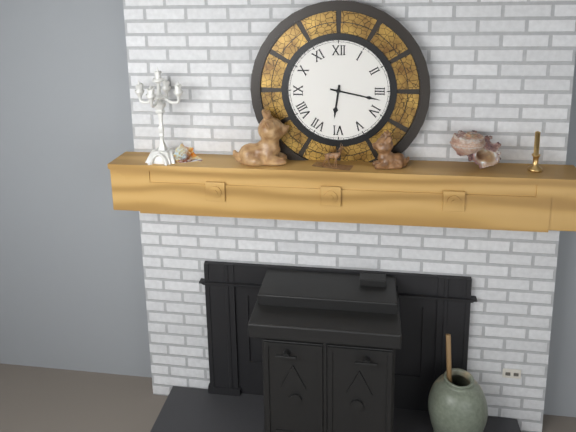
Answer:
6,17
